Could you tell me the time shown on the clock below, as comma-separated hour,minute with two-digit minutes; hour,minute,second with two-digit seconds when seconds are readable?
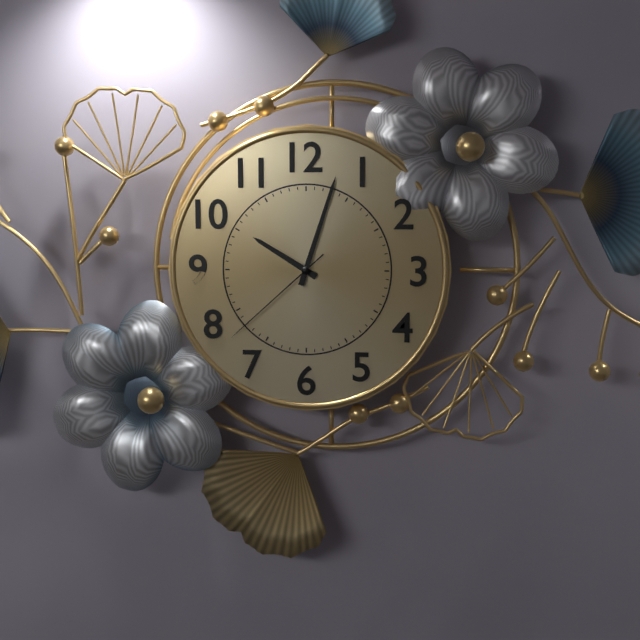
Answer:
10,03,38
